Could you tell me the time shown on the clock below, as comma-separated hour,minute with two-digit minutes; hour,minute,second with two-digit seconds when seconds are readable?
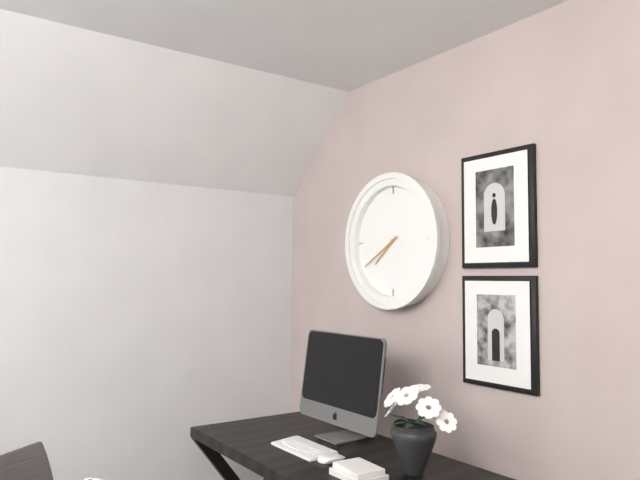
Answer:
7,40
